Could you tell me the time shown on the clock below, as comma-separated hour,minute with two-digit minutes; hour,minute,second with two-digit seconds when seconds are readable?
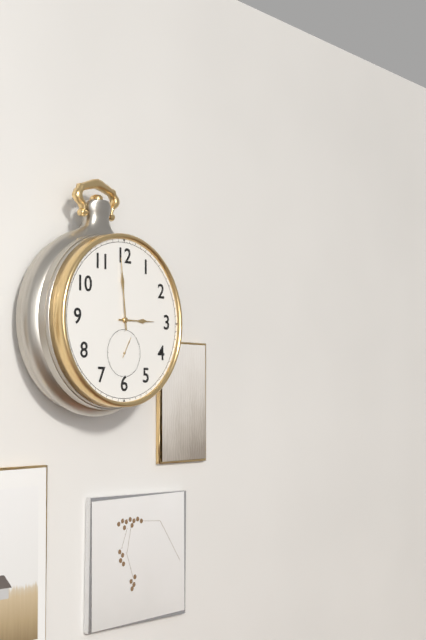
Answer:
2,59
